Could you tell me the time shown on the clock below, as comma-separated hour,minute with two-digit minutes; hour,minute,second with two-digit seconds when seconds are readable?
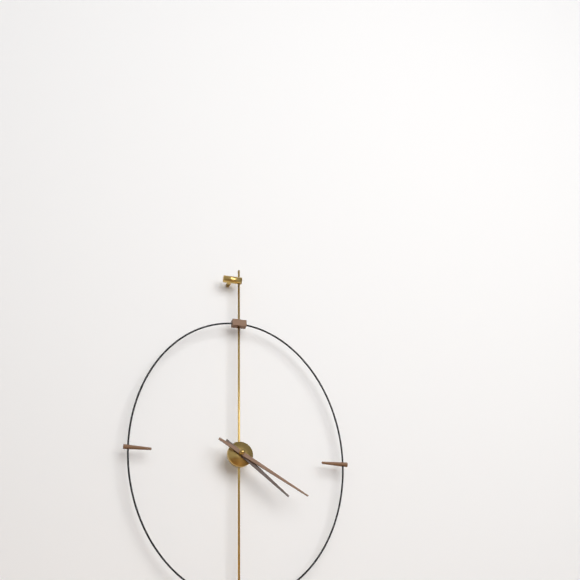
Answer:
4,20
